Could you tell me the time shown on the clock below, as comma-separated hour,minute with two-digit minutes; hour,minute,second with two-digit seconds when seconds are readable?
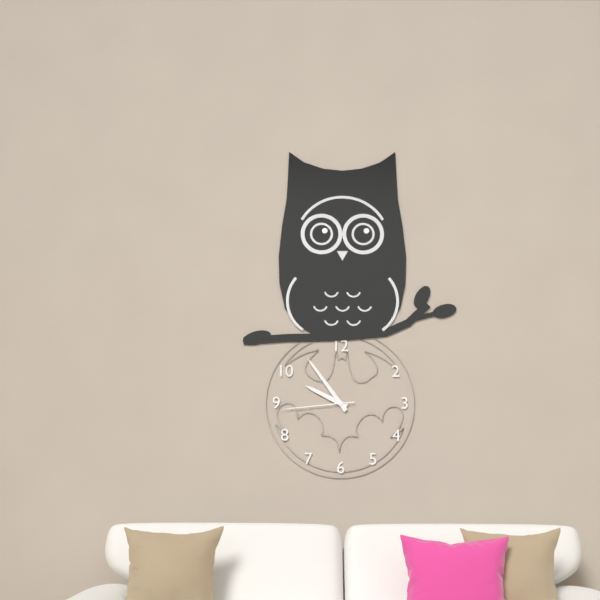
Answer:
9,54,44
